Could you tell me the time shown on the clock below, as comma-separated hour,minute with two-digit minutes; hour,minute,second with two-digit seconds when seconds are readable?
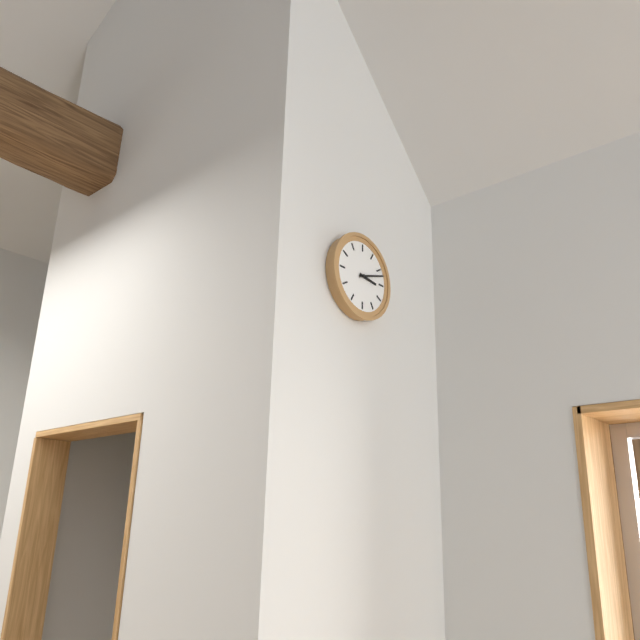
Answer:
3,12
